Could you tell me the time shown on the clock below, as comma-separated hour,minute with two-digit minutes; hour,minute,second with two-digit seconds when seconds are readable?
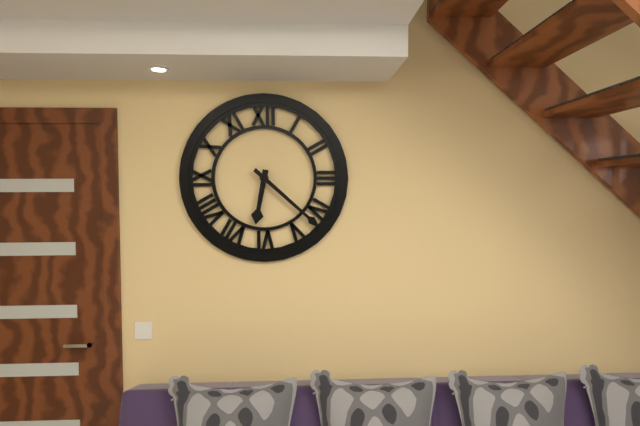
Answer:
6,22
